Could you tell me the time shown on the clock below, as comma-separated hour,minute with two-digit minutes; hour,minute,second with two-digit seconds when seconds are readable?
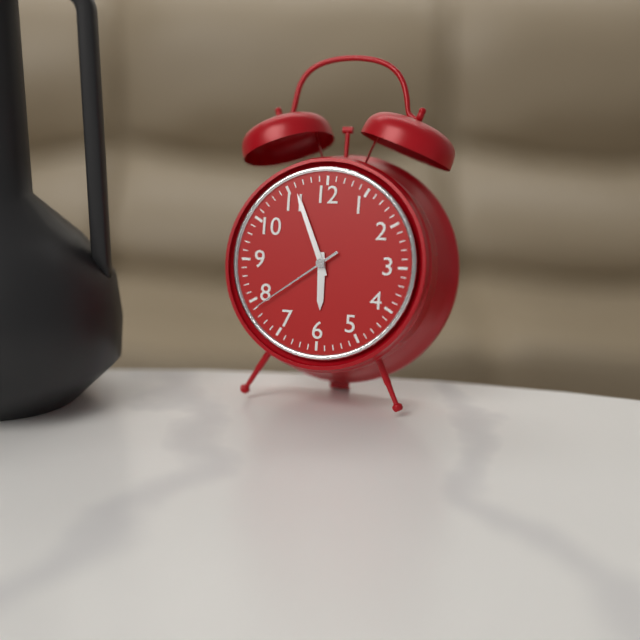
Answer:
5,56,39
